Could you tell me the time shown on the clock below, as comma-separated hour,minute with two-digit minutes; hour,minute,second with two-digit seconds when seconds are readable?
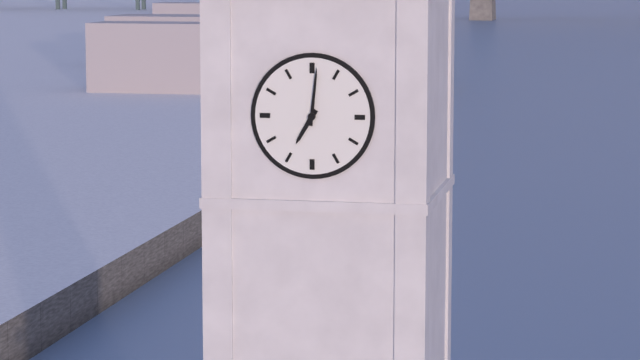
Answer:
7,01
